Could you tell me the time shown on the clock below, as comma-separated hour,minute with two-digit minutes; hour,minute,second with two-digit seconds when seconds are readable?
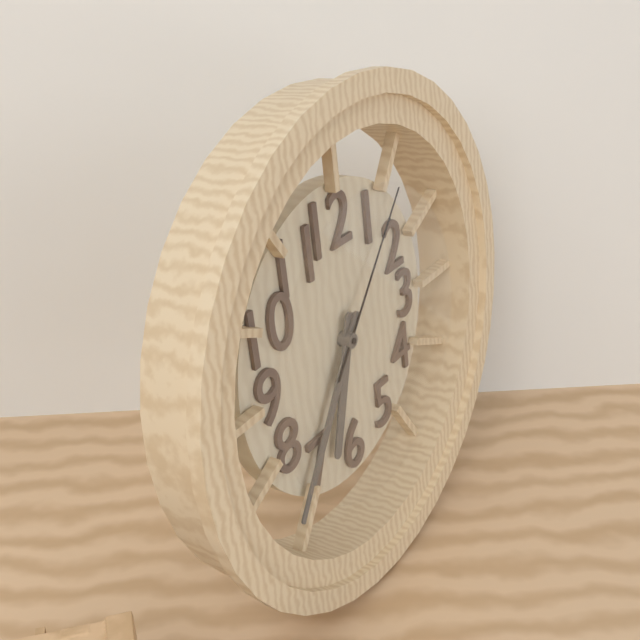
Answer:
6,36,07
